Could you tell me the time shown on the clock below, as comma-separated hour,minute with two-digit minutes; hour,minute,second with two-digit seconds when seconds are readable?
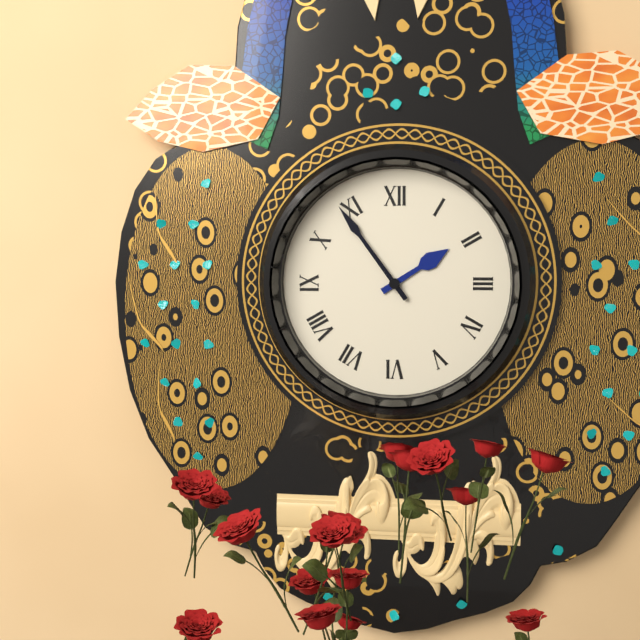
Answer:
1,54
